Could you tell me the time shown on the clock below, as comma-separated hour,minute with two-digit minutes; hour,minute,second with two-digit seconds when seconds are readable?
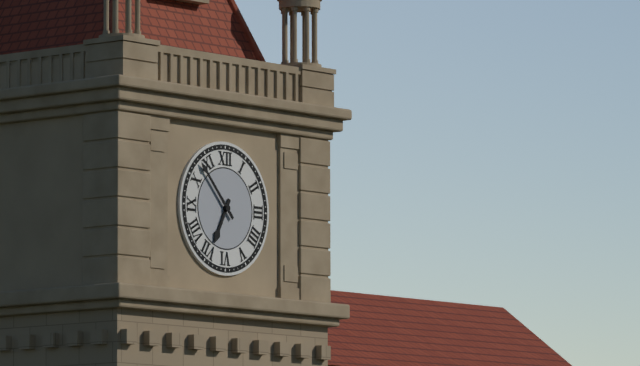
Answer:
6,53
